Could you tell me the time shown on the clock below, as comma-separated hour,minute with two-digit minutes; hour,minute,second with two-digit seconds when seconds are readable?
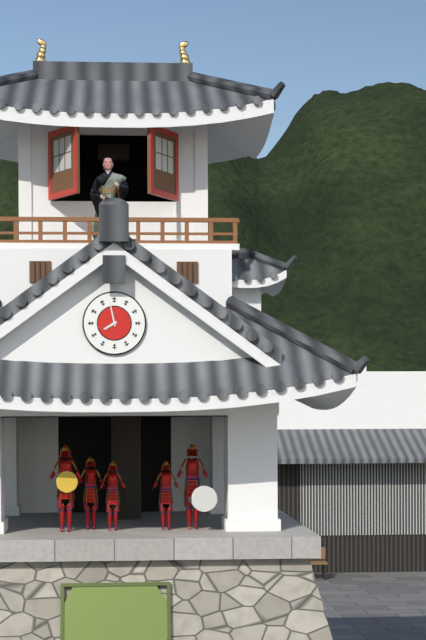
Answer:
7,58
